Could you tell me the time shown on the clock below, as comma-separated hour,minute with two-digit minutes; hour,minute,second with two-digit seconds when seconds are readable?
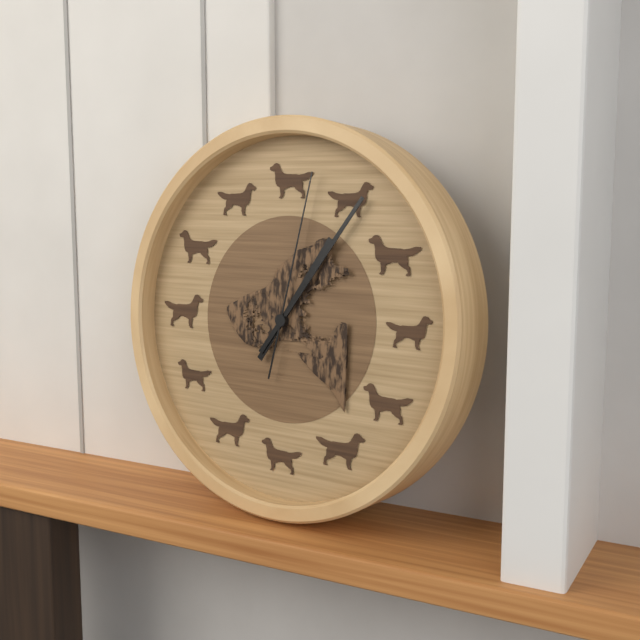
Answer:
1,06,02
